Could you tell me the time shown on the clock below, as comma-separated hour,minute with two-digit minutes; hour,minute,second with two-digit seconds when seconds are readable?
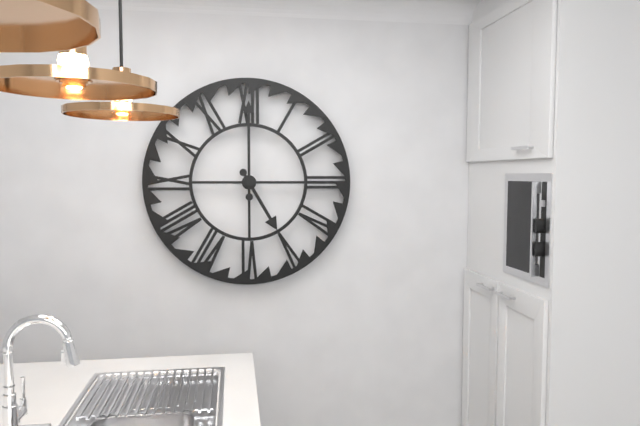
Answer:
5,00
